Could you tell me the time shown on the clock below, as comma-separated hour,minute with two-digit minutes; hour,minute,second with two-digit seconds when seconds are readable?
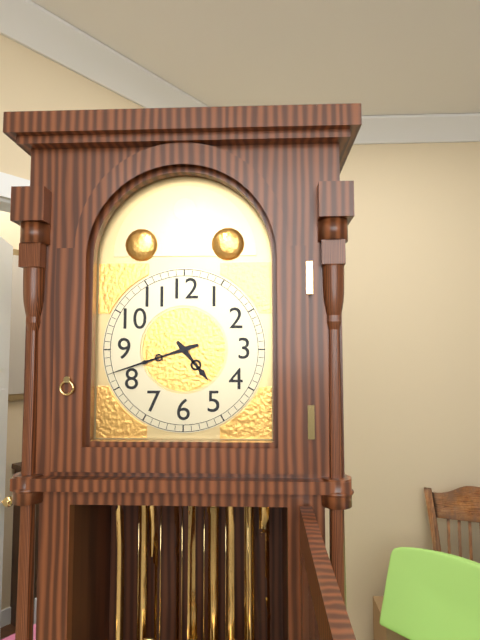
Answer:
4,42
